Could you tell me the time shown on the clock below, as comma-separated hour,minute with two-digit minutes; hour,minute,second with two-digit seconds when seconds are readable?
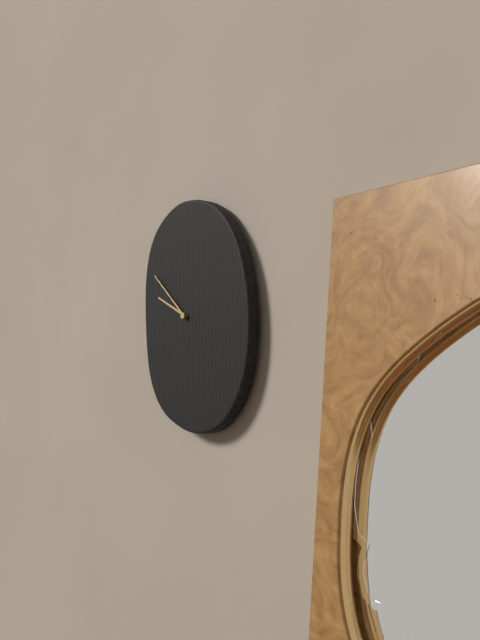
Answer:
9,52
